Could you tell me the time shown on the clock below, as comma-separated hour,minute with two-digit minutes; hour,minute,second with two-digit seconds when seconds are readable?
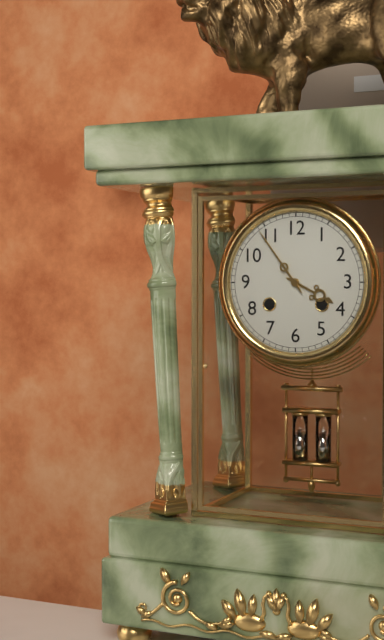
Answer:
3,54
